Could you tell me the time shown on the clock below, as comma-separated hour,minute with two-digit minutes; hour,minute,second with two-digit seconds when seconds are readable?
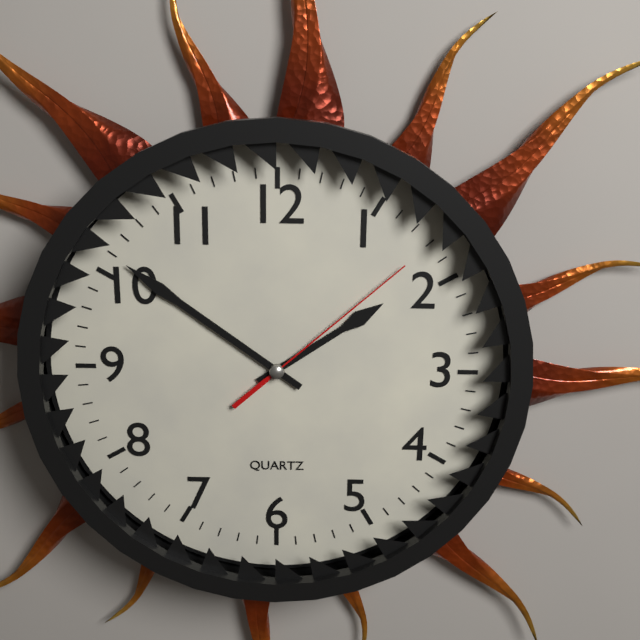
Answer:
1,51,08
